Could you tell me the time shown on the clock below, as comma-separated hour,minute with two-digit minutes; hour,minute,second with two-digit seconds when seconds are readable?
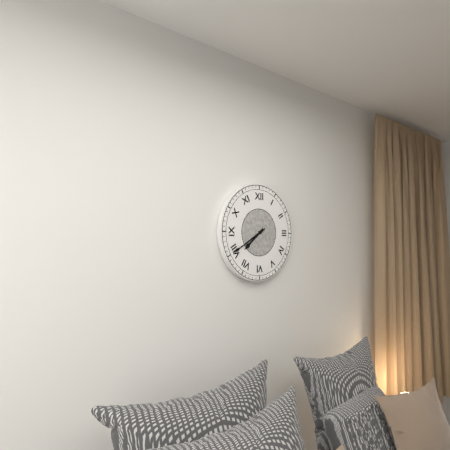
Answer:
7,40
